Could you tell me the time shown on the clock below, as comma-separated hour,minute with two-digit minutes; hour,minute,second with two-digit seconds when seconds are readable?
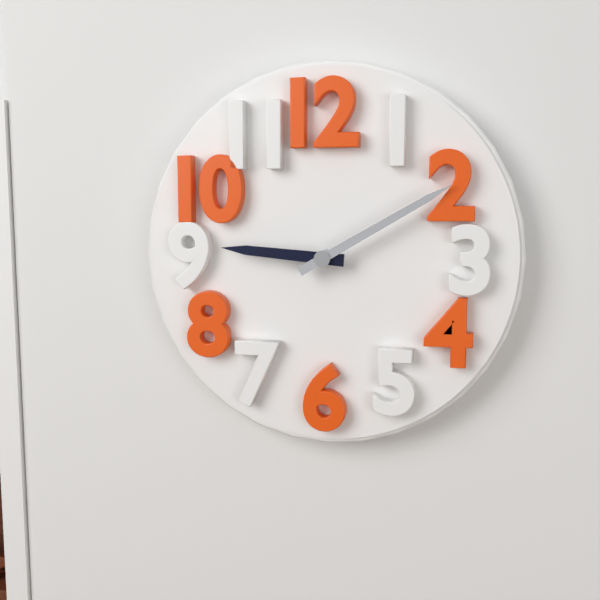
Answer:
9,10
